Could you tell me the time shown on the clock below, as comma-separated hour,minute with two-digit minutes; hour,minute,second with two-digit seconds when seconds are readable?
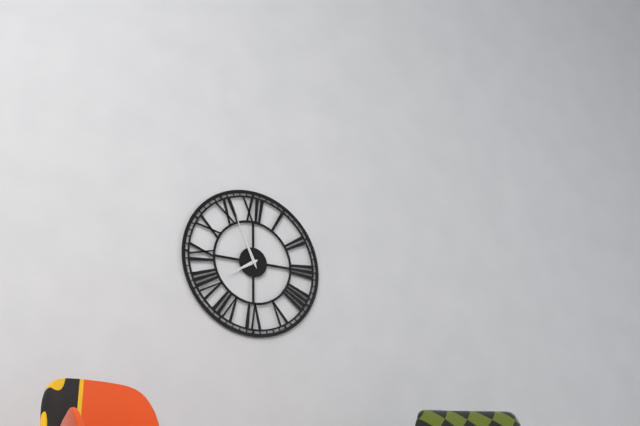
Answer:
7,56
